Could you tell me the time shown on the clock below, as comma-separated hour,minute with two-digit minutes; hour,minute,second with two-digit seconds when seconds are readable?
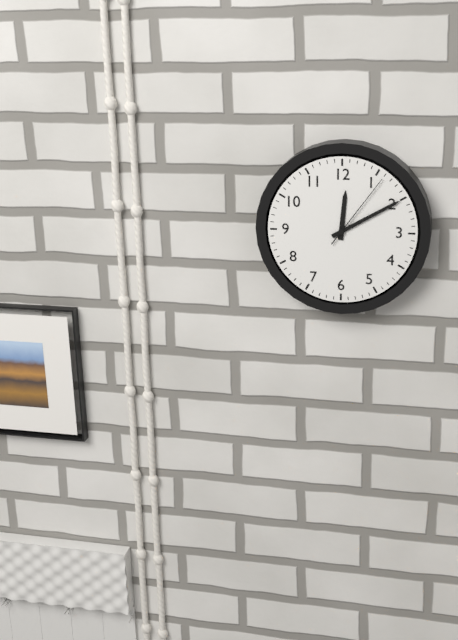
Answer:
12,10,06
